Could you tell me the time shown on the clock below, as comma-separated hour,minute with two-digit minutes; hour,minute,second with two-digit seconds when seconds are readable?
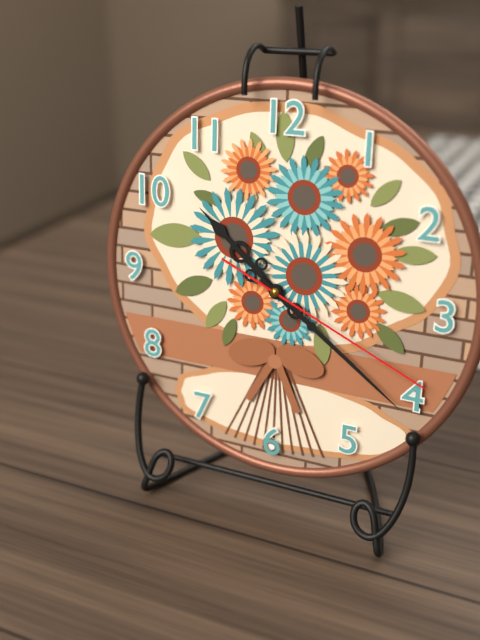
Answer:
10,21,19
